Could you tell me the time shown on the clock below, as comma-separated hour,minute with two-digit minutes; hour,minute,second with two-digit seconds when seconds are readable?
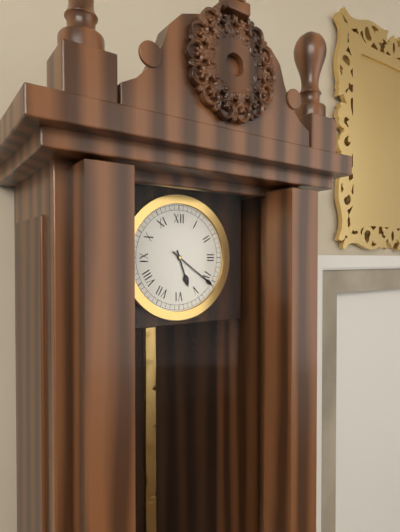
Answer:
5,21
